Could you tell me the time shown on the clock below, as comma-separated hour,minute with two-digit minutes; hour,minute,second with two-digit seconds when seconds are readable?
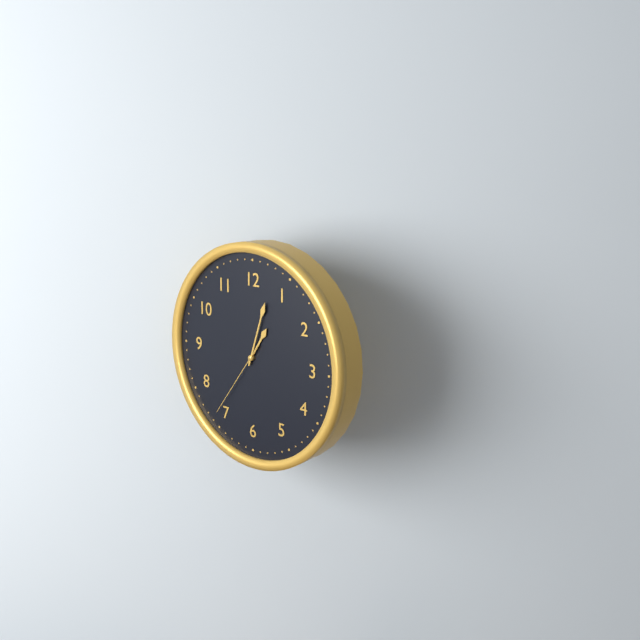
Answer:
1,03,36
